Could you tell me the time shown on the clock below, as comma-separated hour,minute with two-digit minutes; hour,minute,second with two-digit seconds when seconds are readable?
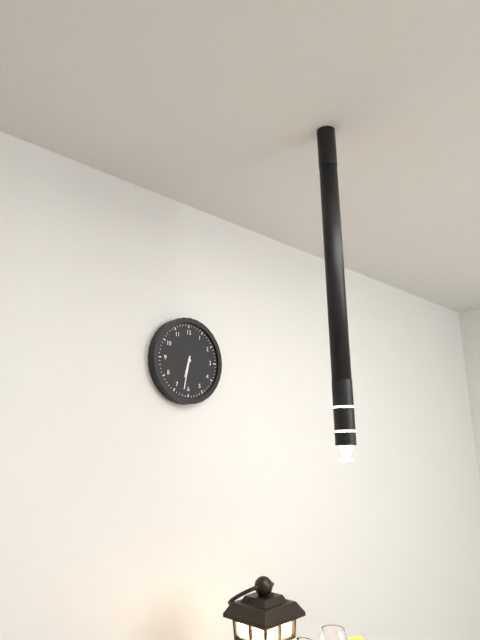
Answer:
6,32
